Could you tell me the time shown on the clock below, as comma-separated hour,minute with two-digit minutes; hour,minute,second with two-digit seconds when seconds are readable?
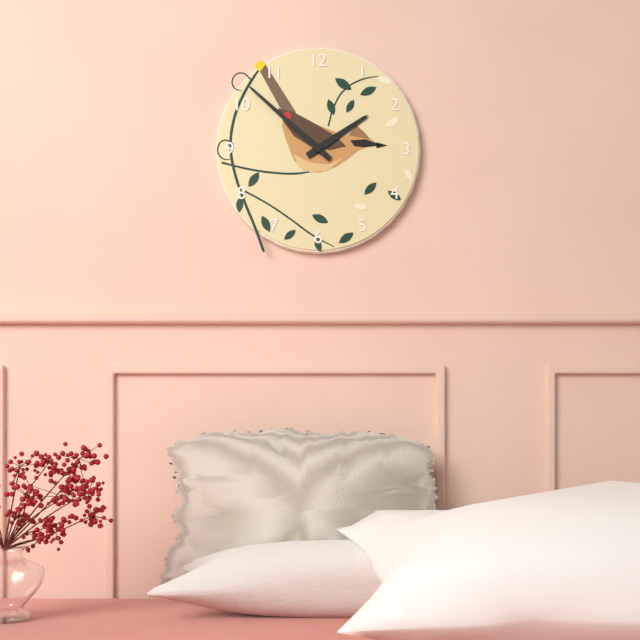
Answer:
1,52
